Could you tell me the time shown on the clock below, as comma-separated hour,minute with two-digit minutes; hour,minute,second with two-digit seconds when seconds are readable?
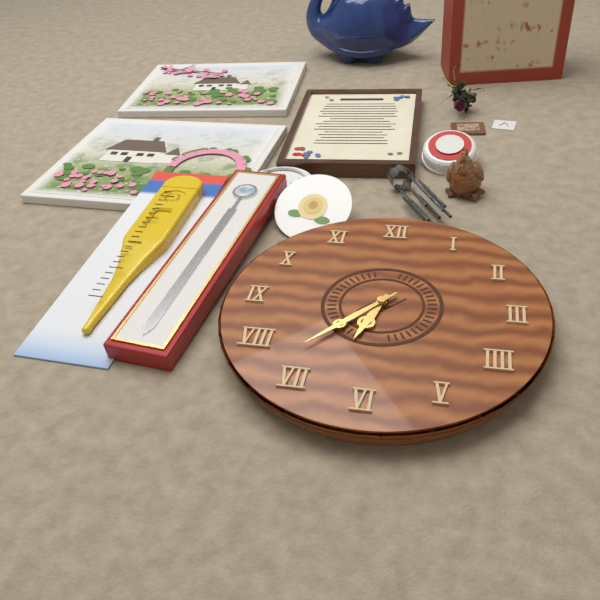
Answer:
6,37
